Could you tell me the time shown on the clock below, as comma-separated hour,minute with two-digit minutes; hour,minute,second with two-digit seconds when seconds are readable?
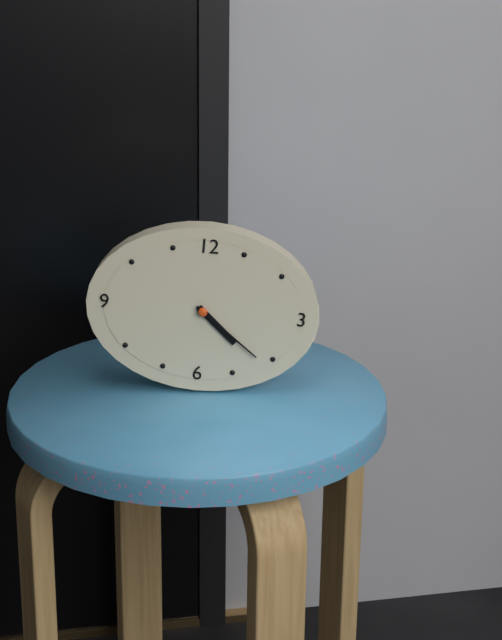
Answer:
4,21
